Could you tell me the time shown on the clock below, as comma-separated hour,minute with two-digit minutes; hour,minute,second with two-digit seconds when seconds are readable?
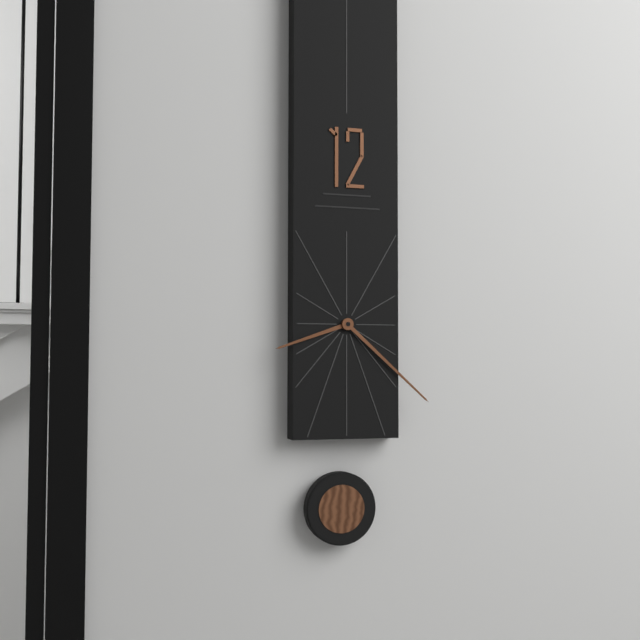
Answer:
8,22
